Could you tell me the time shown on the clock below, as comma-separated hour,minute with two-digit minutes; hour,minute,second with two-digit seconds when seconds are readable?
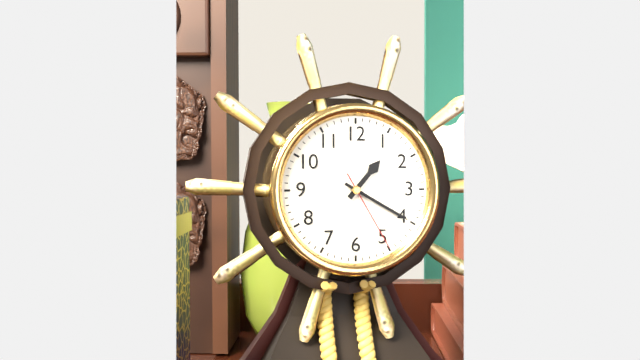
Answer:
1,20,25
